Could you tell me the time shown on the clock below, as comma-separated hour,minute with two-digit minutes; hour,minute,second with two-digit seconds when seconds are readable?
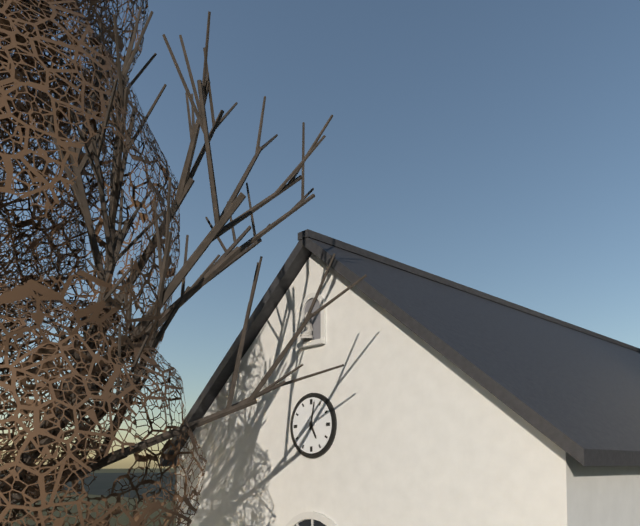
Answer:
5,02
